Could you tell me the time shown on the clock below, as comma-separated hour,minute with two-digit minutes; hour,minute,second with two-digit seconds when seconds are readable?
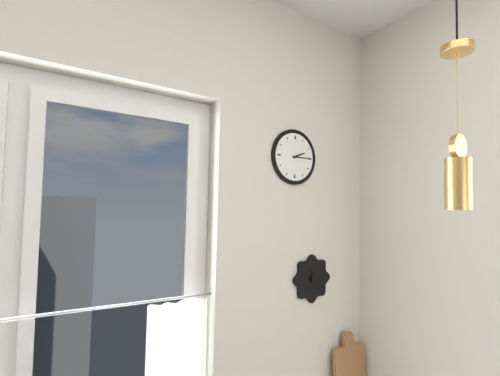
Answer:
2,15
